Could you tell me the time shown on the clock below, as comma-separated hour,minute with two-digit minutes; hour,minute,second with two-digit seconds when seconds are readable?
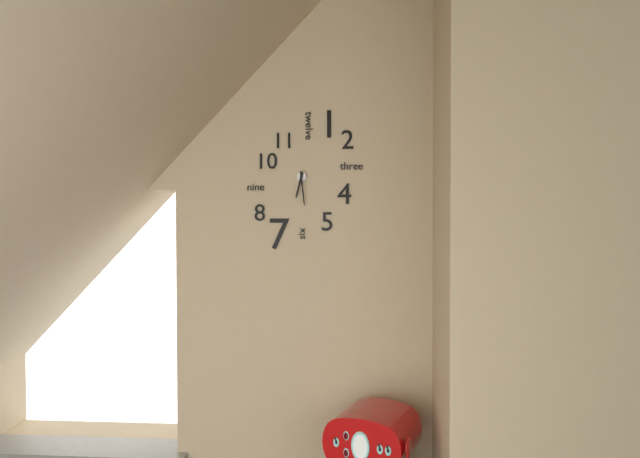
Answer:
6,29
